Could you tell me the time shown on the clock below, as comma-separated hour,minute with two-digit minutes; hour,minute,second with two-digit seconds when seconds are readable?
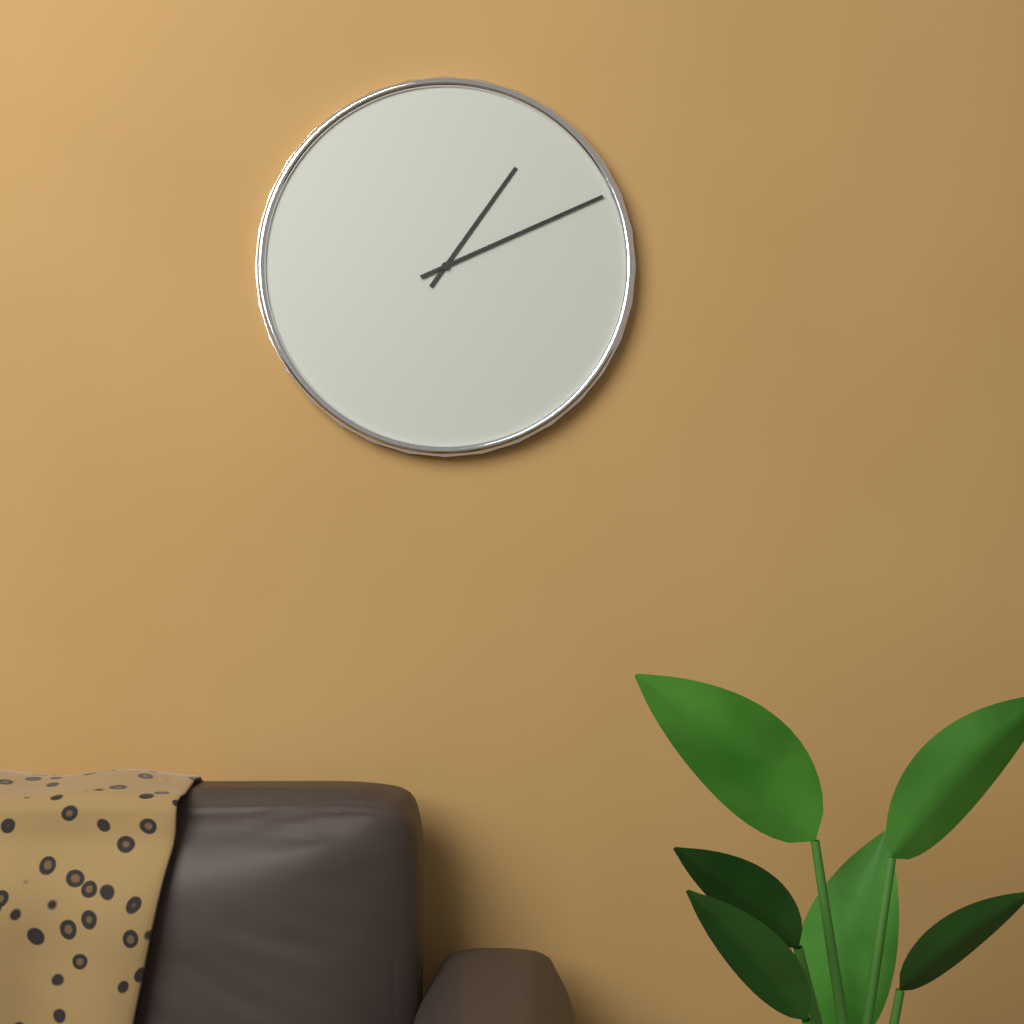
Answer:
1,11
